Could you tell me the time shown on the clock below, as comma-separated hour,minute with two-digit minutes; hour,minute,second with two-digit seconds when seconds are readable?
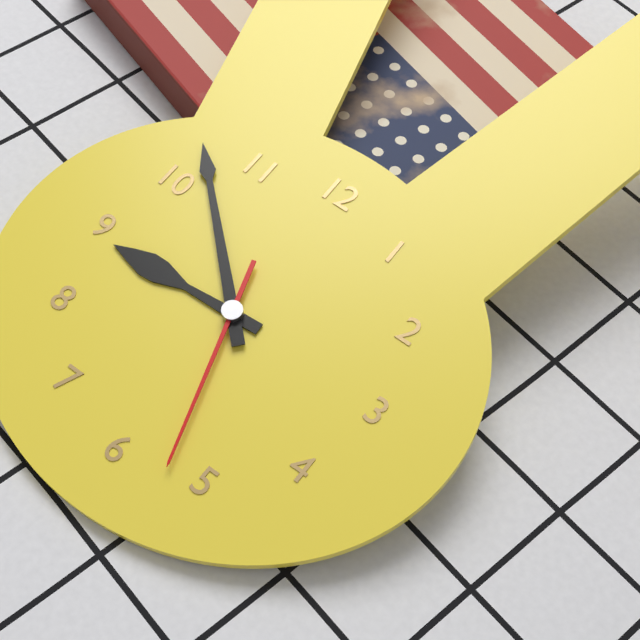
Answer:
8,52,27
